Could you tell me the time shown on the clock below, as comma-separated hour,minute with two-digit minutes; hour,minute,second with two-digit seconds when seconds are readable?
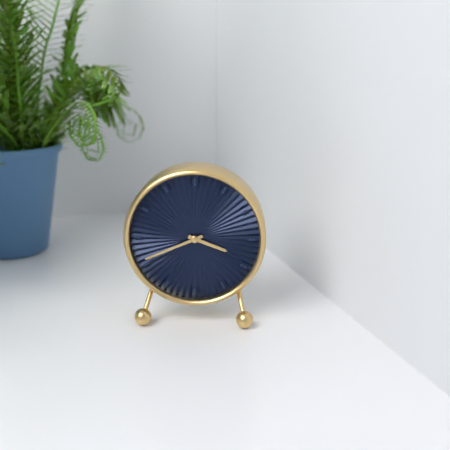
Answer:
3,41
